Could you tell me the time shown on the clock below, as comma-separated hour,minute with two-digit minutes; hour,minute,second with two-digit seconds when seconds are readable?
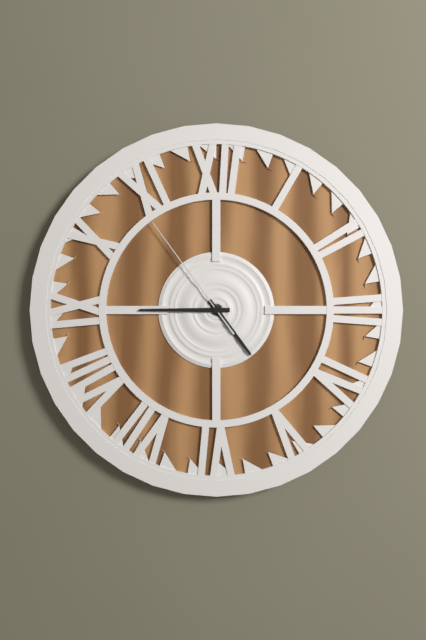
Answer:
4,45,54
